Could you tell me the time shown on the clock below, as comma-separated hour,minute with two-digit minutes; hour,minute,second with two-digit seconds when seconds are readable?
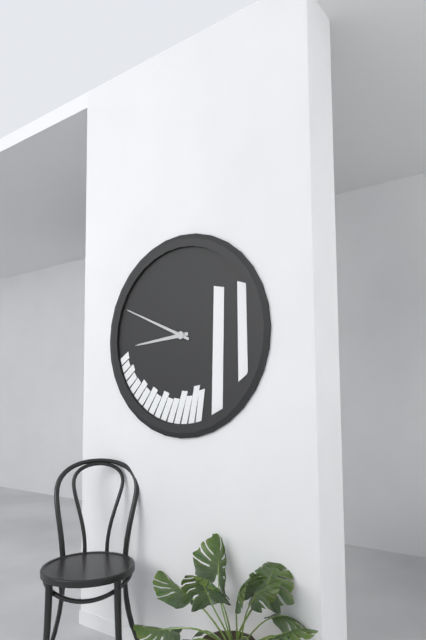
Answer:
8,49
